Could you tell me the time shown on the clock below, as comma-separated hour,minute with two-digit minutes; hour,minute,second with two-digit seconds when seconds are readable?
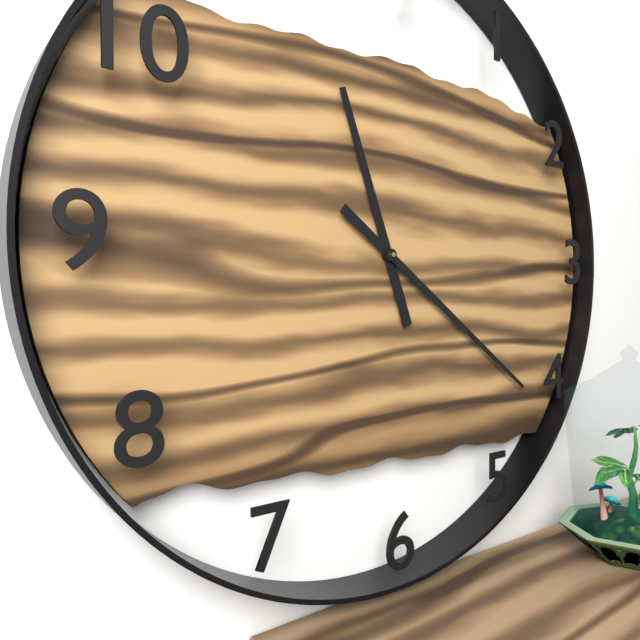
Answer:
11,21
